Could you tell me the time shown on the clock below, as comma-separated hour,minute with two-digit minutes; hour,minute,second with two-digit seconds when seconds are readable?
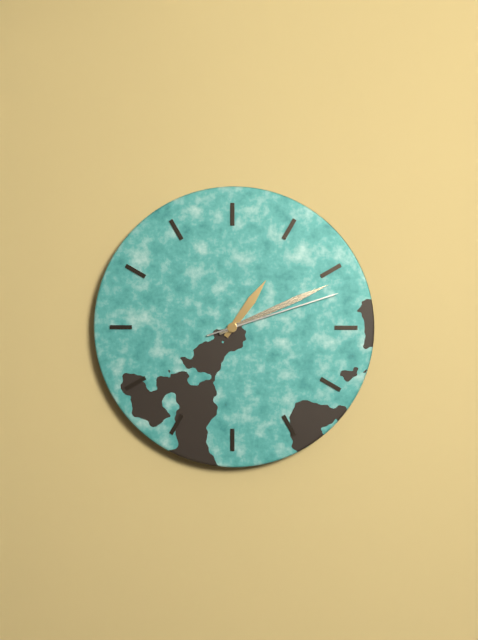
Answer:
1,11,12
